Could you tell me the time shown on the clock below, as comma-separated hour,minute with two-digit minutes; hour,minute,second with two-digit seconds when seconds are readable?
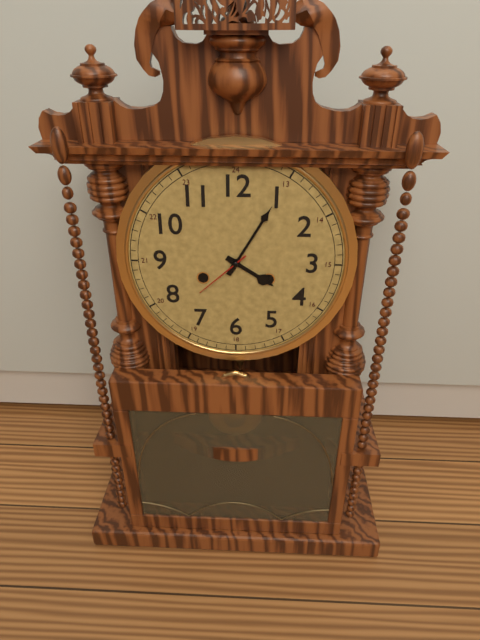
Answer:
4,05,38
